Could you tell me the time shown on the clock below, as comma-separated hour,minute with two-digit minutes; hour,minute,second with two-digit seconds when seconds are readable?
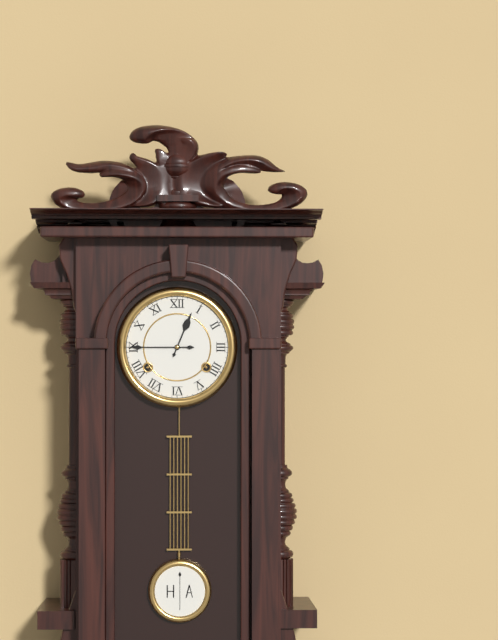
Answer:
12,45
